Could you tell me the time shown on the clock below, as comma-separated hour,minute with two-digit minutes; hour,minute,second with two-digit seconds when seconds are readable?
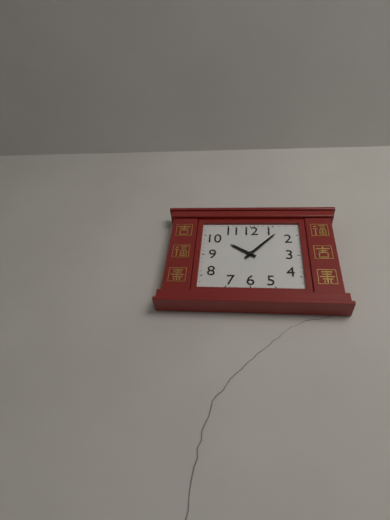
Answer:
10,07
